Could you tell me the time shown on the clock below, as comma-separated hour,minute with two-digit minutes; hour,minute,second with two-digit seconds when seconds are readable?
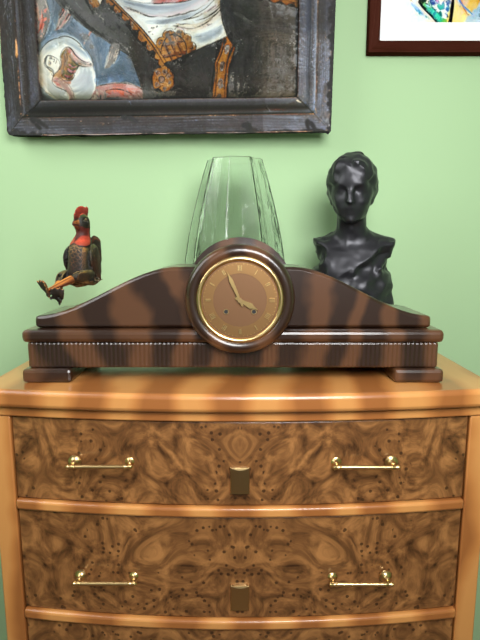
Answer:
3,56
